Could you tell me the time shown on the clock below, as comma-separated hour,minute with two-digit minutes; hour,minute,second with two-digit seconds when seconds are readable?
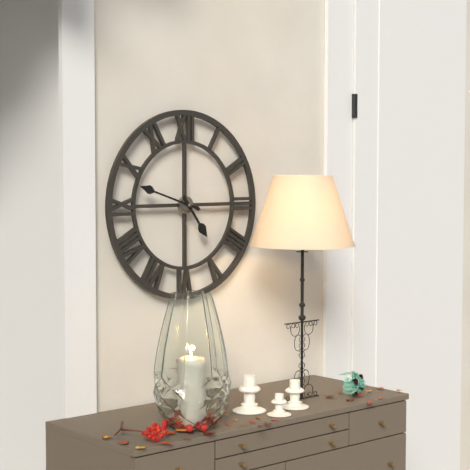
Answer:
4,48
